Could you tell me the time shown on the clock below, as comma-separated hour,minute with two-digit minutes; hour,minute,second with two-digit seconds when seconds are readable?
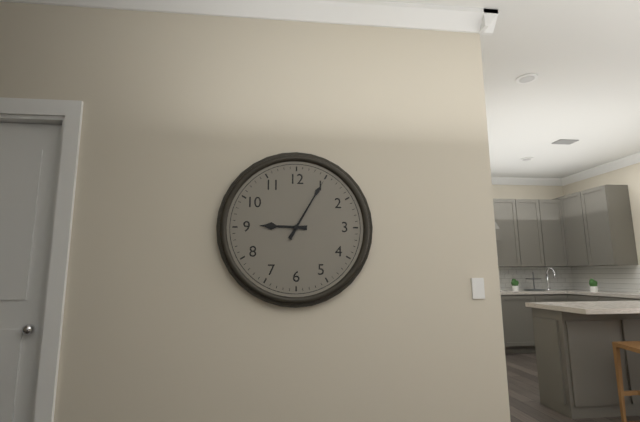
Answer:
9,05
